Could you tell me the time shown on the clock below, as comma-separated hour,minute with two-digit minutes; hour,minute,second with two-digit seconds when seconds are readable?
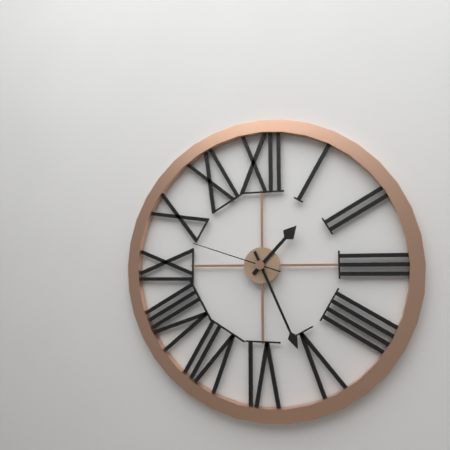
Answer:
1,26,48
